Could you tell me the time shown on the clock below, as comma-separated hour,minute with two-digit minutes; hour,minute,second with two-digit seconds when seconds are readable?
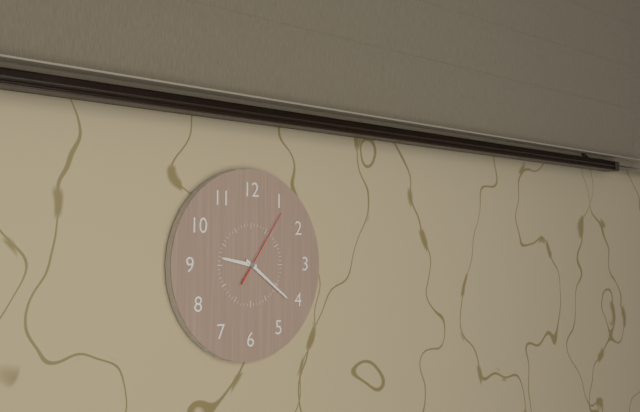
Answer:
9,21,06
